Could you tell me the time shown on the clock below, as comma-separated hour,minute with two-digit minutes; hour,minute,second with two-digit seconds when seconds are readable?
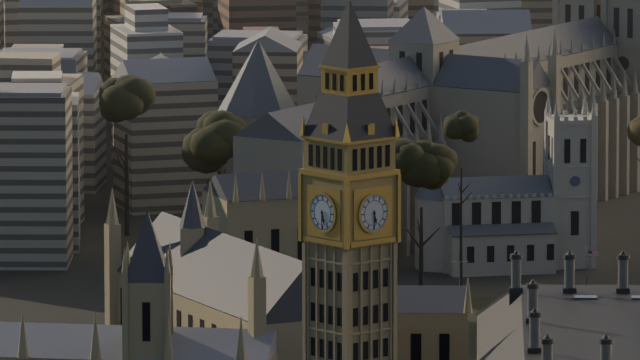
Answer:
5,30
